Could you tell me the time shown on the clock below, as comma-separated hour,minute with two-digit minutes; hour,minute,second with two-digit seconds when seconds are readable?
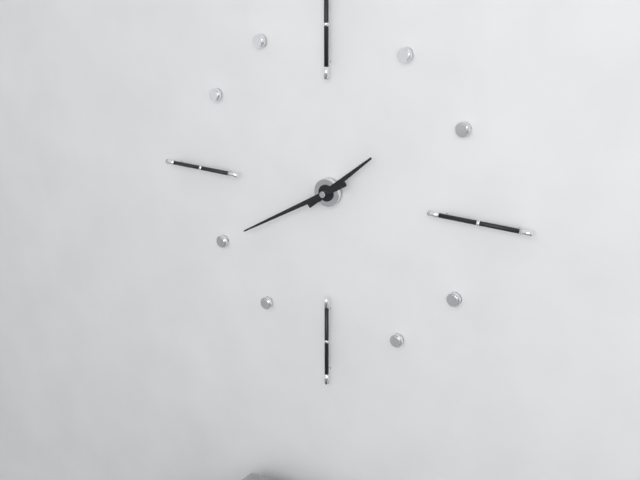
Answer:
1,40
